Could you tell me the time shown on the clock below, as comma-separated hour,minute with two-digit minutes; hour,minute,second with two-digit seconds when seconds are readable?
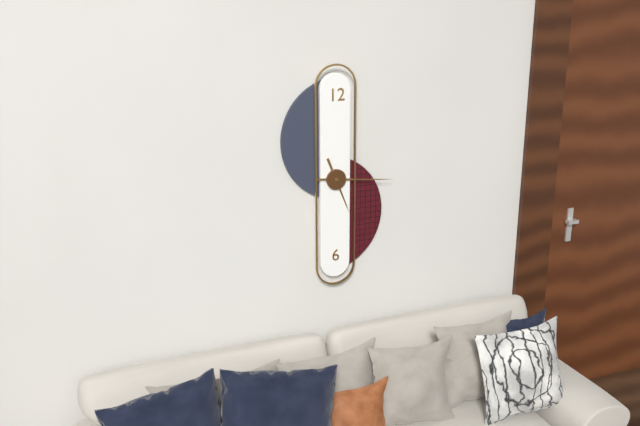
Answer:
5,16
